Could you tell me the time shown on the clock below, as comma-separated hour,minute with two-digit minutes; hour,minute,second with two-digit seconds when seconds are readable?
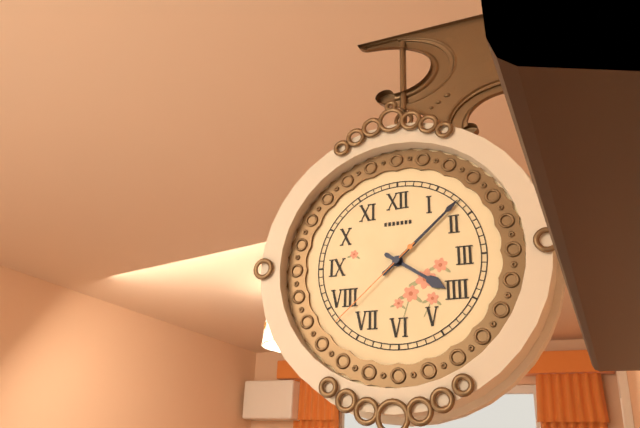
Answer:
4,08,38
